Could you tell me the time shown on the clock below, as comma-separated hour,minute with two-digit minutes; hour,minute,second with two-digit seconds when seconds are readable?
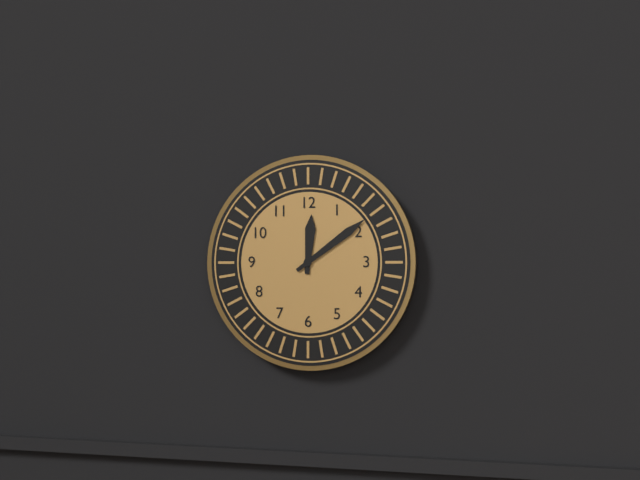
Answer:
12,09
